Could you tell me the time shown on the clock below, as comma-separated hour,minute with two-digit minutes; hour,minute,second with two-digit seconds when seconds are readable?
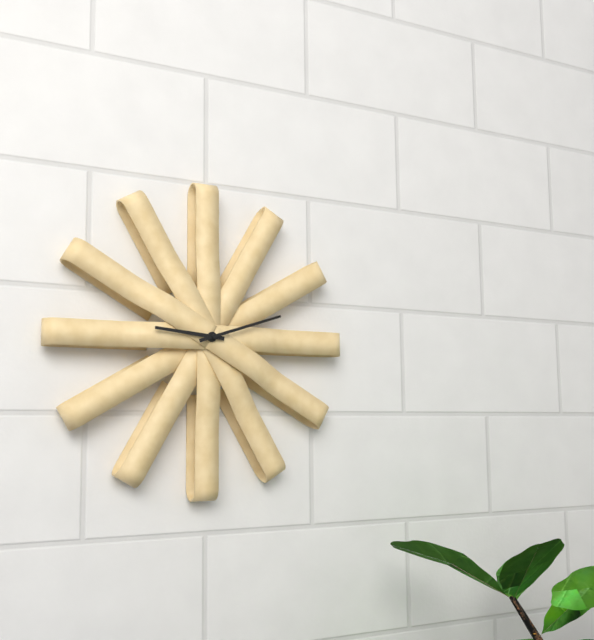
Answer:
9,12
